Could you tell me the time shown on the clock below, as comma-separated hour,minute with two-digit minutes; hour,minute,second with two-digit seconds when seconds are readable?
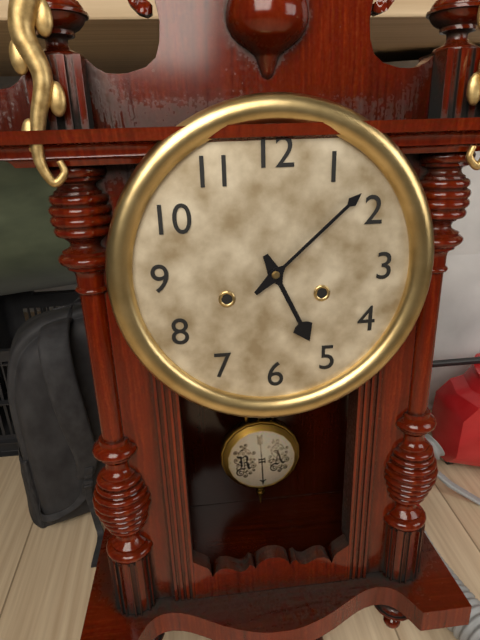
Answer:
5,08
